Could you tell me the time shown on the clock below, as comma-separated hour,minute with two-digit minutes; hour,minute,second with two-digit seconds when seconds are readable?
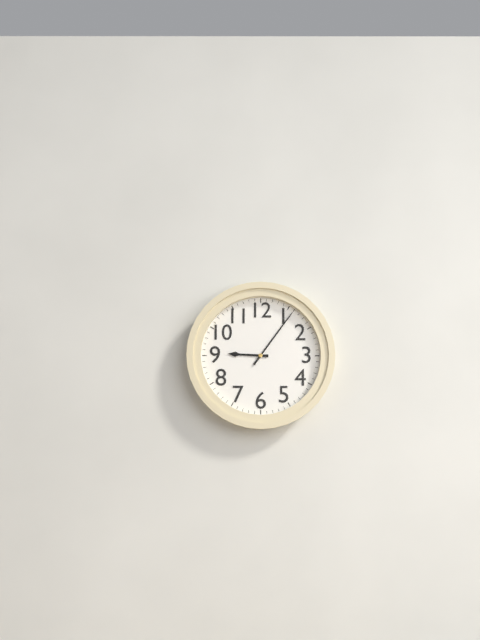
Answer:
9,06
